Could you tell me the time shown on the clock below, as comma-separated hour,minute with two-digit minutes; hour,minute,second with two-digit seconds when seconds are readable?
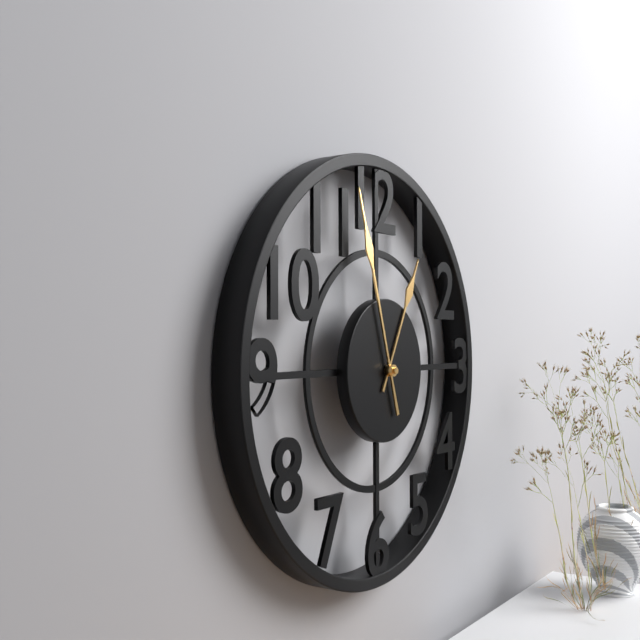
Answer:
12,57
